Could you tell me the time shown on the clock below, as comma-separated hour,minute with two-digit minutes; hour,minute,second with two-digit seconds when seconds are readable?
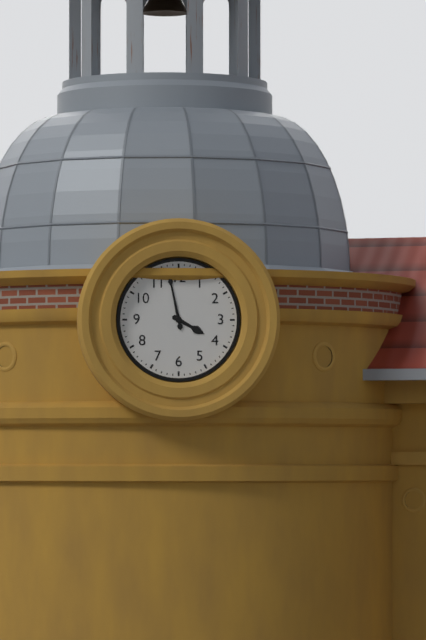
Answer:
3,58
